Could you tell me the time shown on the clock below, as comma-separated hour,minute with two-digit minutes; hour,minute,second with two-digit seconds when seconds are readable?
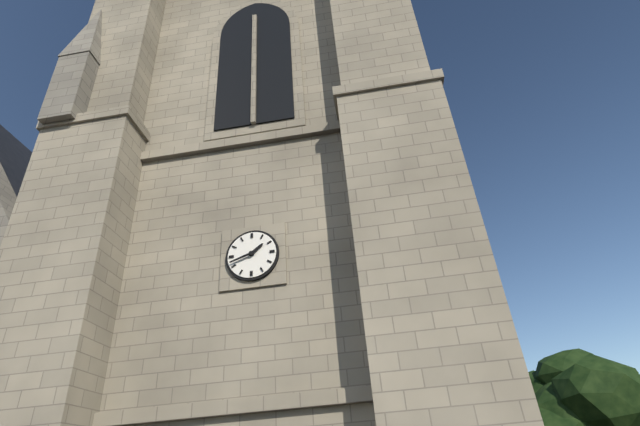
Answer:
1,42
